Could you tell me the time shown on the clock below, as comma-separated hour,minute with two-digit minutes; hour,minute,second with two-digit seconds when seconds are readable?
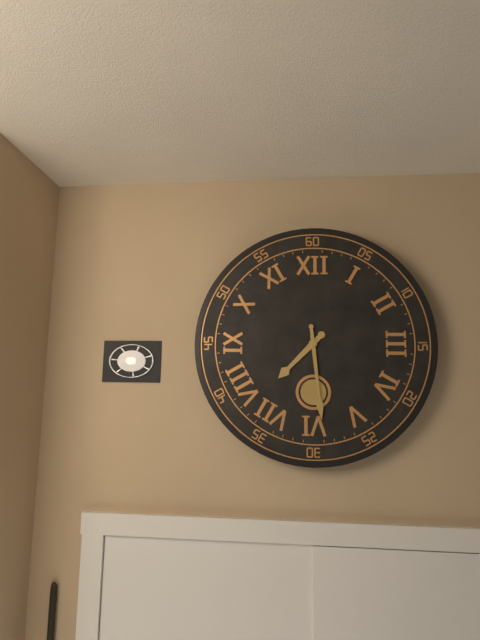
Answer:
7,29
